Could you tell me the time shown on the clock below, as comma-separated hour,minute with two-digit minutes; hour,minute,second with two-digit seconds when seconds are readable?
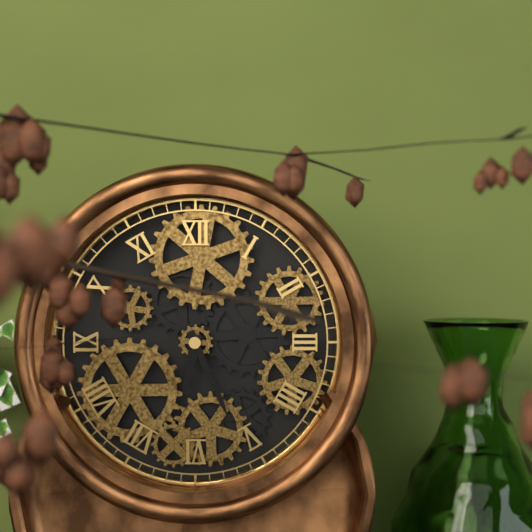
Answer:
6,26
